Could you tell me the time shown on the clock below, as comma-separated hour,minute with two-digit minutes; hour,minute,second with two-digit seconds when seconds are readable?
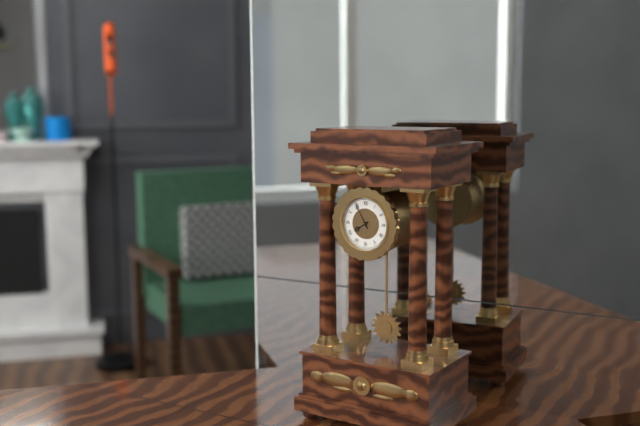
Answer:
7,55
